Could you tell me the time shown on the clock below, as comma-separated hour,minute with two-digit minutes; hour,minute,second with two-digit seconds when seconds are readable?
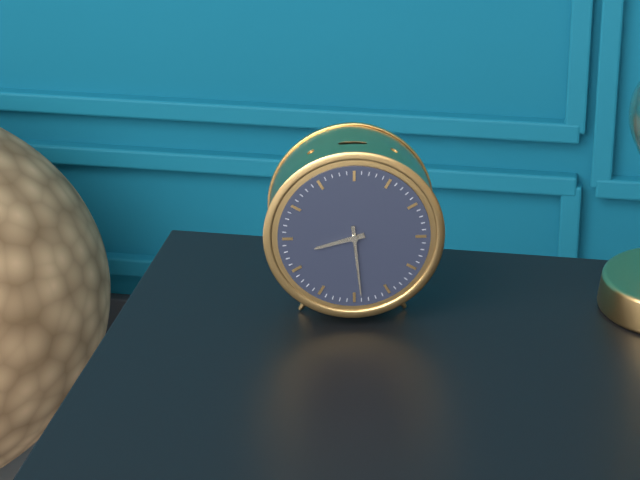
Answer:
8,29
